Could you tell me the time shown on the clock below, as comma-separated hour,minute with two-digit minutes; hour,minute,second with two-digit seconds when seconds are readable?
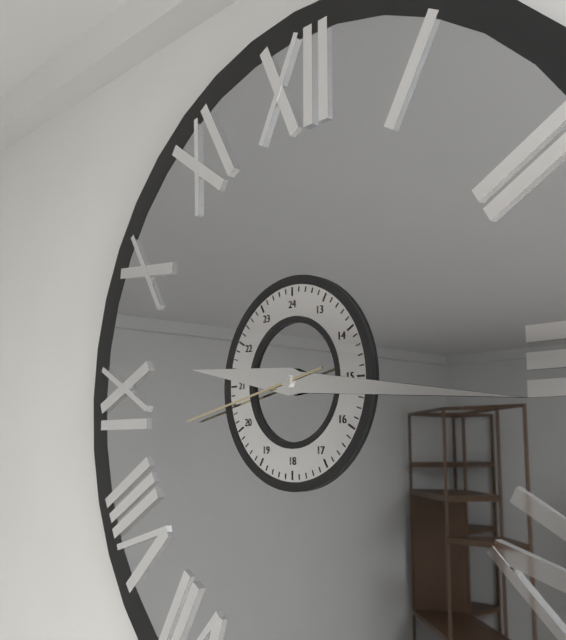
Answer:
9,16,43
